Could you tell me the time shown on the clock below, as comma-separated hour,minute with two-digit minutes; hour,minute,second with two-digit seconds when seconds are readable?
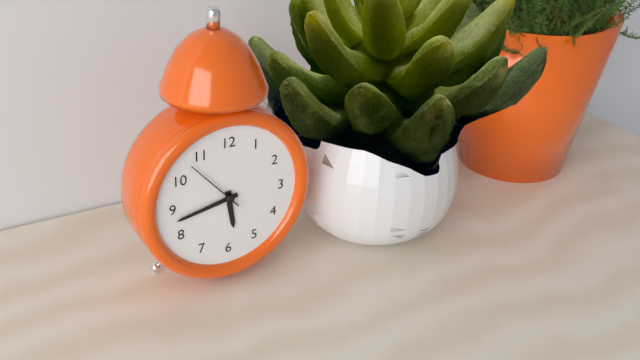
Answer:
5,43,53
